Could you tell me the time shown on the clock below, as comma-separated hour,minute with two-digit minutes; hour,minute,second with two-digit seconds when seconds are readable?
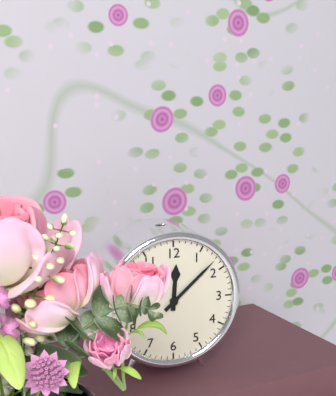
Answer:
12,08
